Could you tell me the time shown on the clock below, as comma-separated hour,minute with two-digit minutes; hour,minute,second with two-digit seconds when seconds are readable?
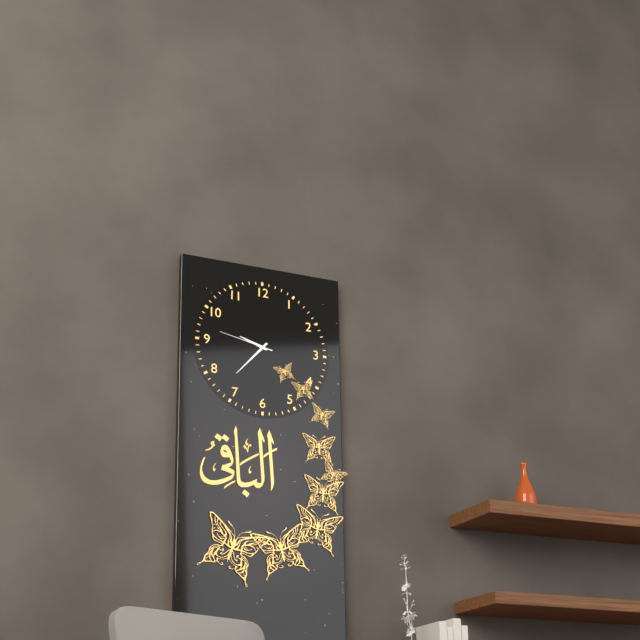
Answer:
9,37,47
